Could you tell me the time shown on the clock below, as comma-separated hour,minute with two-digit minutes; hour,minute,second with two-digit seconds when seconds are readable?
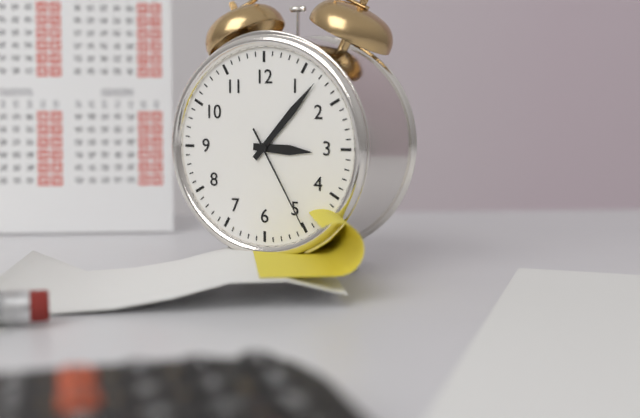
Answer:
3,07,25
